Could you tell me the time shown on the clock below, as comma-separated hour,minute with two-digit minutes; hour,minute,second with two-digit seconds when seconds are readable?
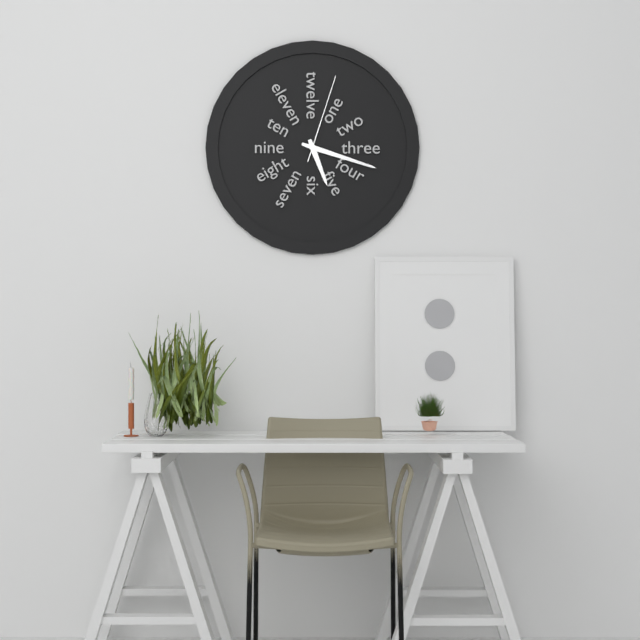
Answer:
5,18,03
